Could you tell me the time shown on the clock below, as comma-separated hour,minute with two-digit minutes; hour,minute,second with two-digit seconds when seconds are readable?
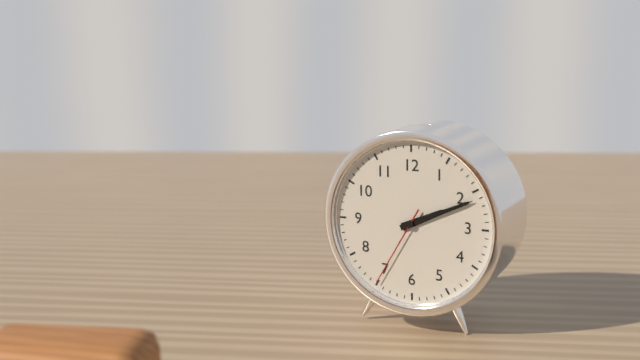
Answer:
2,11,35
